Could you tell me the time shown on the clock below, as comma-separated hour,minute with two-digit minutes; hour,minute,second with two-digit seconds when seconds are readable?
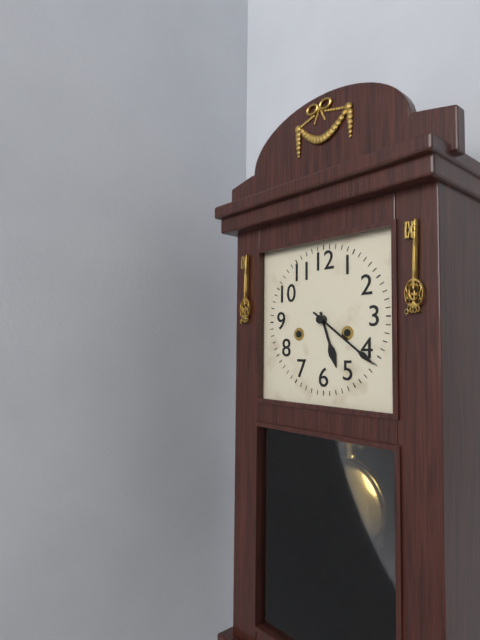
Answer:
5,21
